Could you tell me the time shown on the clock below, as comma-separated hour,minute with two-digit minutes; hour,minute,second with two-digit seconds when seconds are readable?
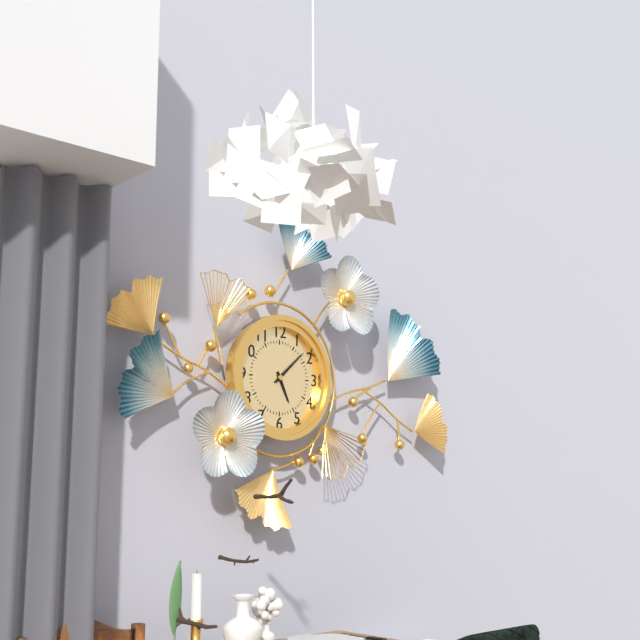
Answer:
5,08
